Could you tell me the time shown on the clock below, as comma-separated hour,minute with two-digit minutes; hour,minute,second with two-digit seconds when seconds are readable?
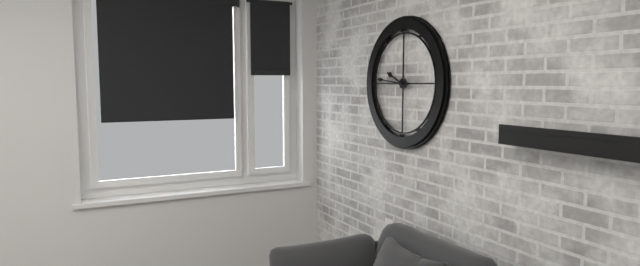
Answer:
9,46
